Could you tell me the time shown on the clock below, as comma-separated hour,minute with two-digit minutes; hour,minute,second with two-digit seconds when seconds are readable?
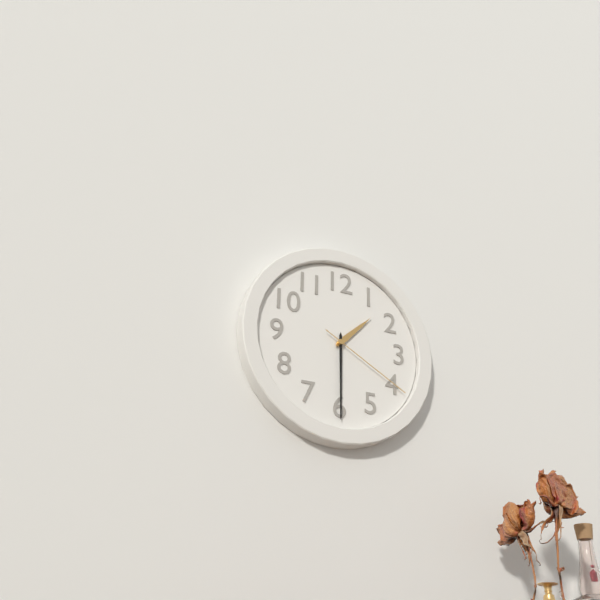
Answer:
1,30,20
